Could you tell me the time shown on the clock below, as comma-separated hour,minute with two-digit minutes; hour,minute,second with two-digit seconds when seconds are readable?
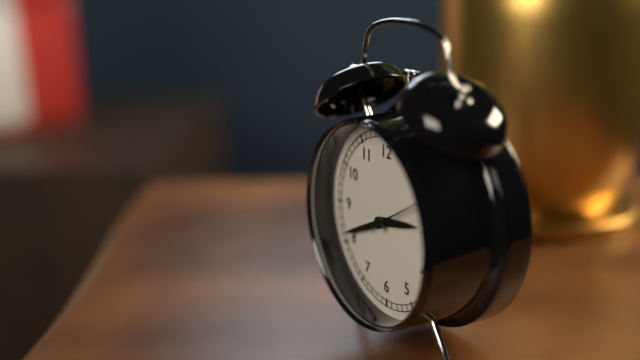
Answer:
2,41,10
